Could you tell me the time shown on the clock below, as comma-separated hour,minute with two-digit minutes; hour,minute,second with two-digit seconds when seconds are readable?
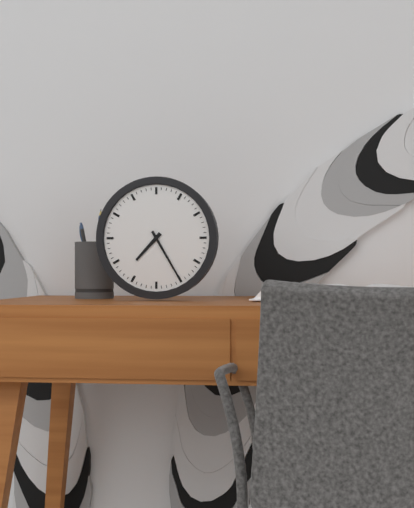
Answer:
7,25
